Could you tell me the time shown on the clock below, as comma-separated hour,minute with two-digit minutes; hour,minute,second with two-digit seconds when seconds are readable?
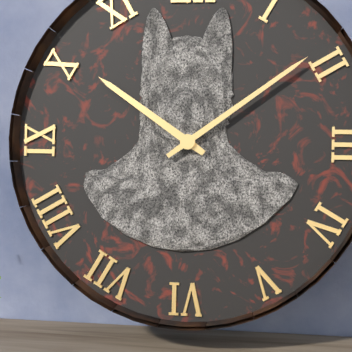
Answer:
10,09
